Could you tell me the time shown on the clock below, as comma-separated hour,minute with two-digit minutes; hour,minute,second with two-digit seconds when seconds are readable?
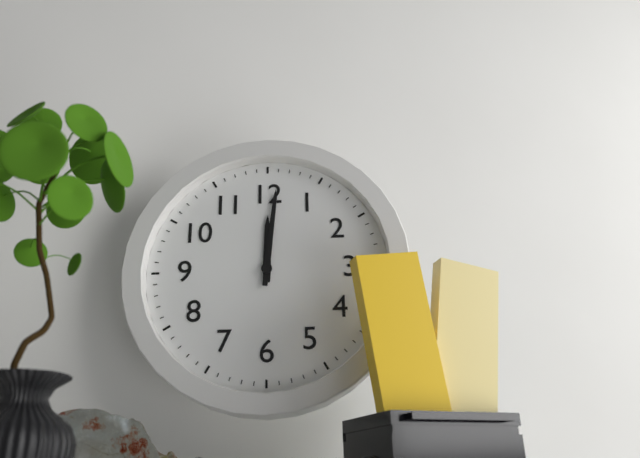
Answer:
12,01
